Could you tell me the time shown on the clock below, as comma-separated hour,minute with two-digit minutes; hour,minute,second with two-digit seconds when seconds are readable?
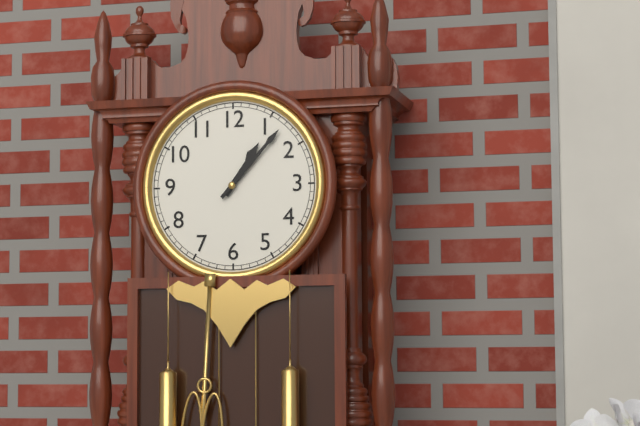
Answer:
1,07
